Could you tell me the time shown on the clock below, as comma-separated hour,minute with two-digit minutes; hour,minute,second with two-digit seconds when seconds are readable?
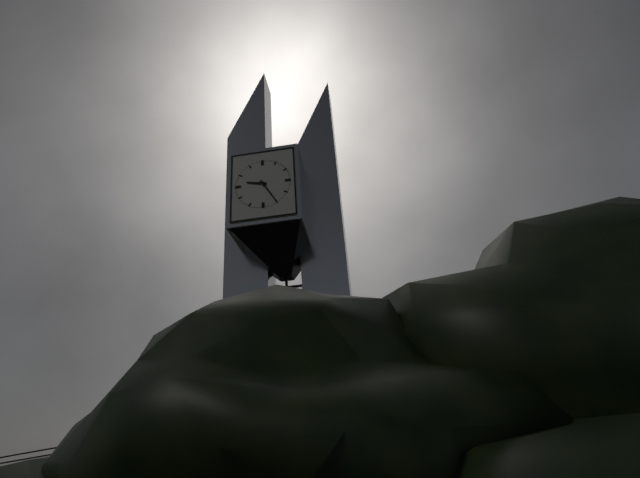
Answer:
9,25
